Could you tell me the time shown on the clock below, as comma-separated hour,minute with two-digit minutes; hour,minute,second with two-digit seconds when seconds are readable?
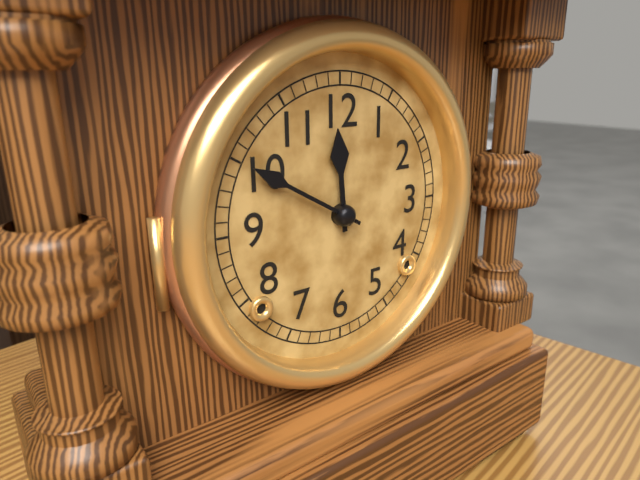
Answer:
11,50
